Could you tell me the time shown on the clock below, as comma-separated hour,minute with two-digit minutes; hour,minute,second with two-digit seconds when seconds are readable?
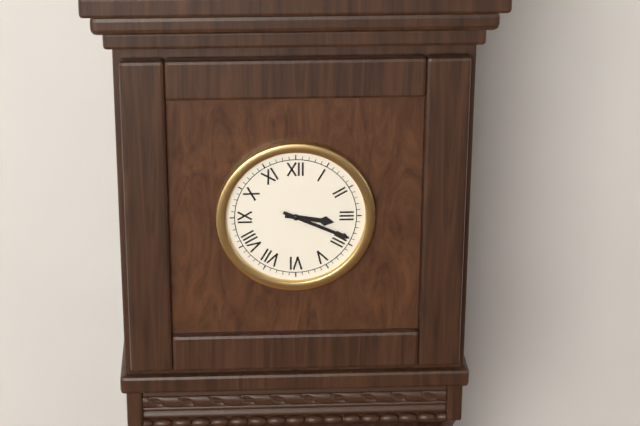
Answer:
3,19
